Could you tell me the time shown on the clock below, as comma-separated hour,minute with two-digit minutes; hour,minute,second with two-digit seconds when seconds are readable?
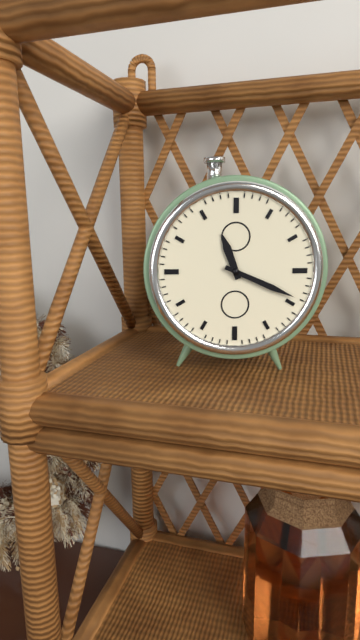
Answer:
11,19
